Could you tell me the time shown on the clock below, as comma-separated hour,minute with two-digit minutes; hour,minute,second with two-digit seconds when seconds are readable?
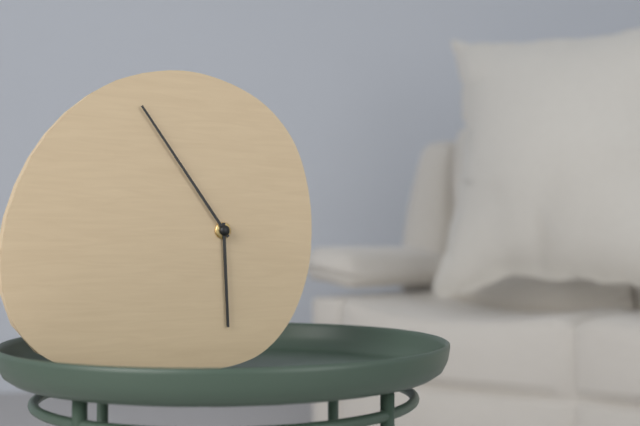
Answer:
5,54
